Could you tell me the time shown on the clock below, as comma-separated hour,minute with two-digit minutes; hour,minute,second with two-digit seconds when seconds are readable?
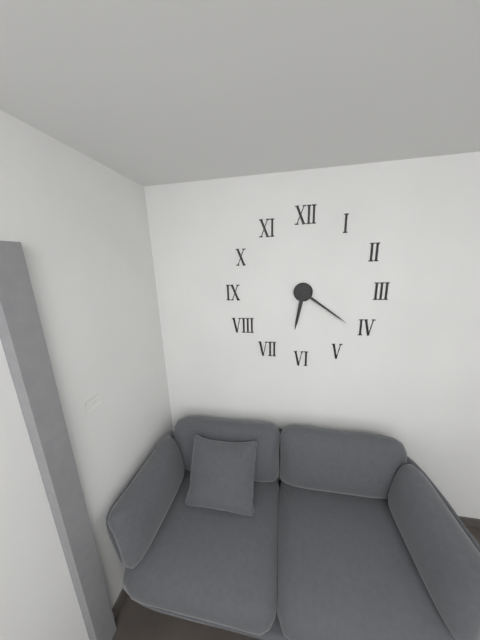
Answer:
6,21
